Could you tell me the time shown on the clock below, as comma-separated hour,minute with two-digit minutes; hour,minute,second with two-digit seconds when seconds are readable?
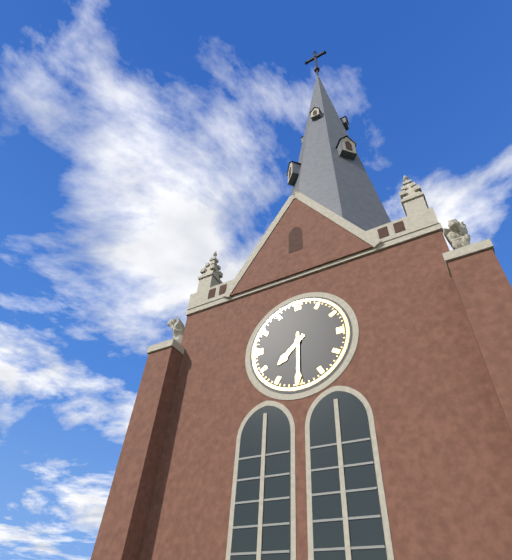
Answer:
7,30
